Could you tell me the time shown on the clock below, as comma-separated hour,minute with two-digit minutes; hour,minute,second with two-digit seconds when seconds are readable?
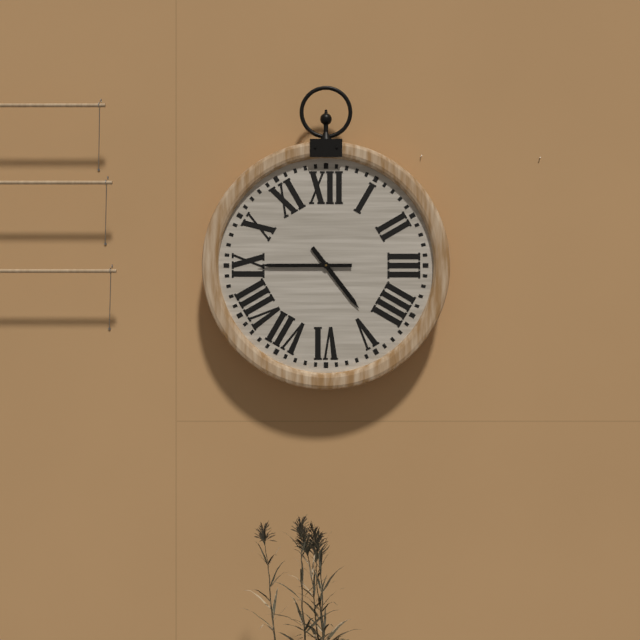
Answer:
4,45
